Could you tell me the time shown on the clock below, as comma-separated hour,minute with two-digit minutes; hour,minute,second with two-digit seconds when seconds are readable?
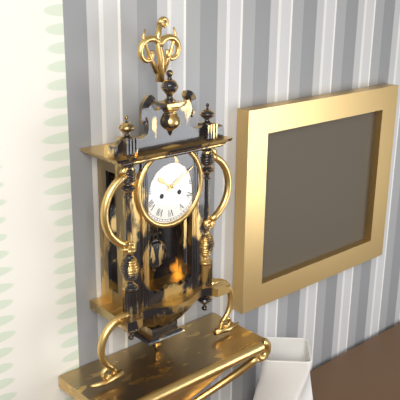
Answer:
10,10
